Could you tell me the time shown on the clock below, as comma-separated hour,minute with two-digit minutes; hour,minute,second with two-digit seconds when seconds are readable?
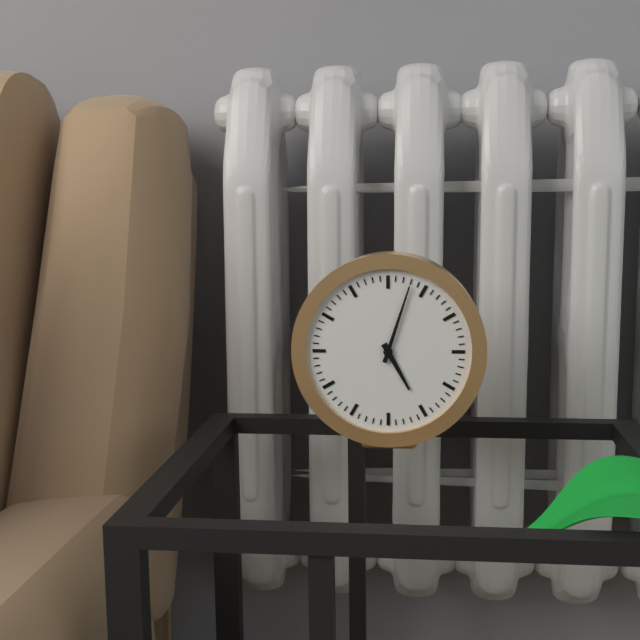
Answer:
5,03
